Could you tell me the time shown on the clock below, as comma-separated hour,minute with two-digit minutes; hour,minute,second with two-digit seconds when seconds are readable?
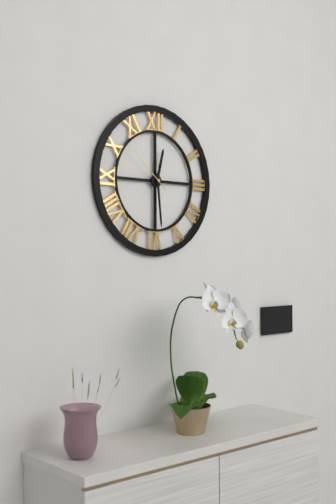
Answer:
12,29,52
